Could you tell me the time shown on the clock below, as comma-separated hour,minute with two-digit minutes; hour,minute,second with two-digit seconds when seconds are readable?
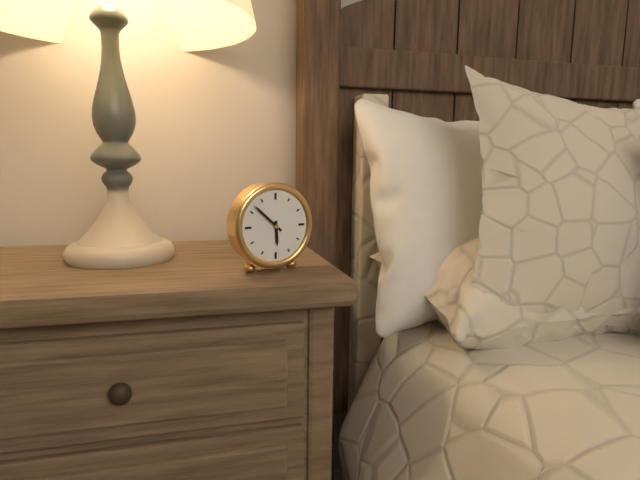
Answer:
5,52
